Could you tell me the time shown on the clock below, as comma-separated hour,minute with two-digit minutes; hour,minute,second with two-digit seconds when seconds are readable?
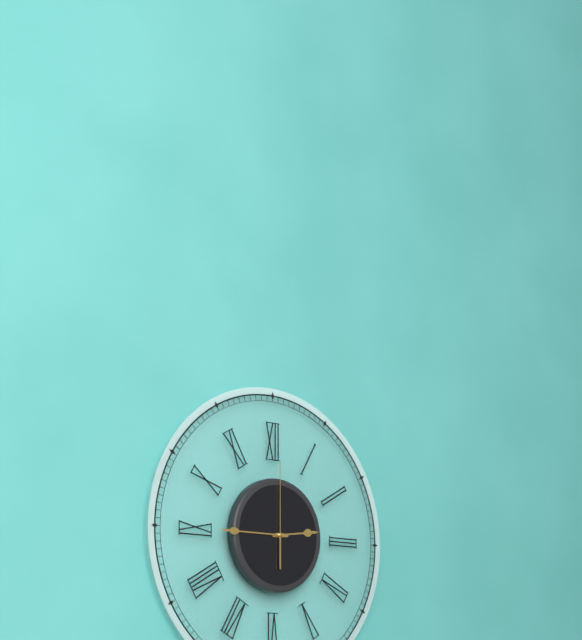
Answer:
2,45,00
